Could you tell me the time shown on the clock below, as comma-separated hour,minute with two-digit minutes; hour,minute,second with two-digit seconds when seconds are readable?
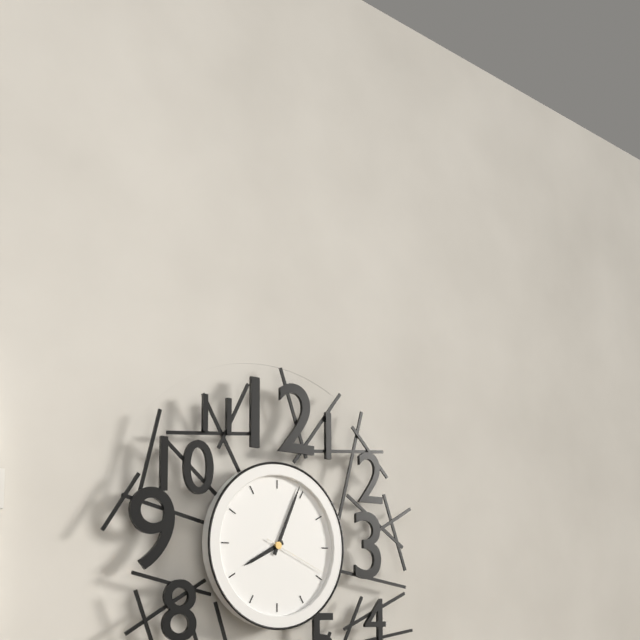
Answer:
8,04,19
